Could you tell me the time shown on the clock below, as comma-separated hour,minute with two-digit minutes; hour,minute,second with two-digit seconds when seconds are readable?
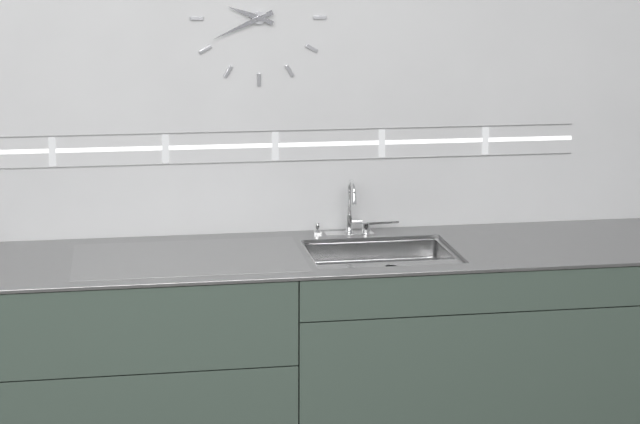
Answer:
9,41
